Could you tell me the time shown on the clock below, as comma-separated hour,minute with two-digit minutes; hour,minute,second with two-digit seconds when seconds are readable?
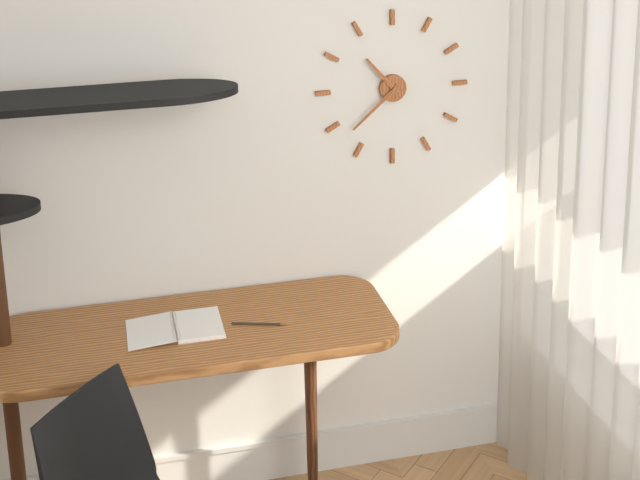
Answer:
10,38
